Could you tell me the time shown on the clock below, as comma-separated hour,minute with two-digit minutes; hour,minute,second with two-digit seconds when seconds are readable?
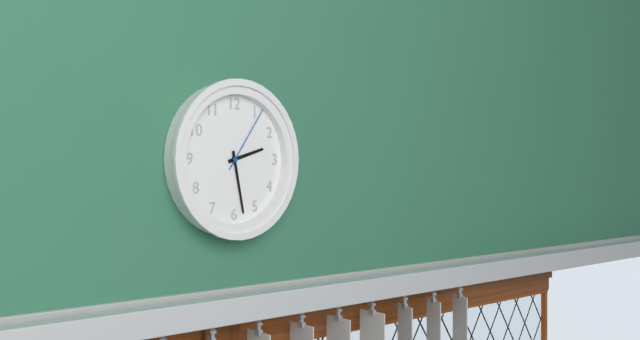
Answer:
2,28,06
